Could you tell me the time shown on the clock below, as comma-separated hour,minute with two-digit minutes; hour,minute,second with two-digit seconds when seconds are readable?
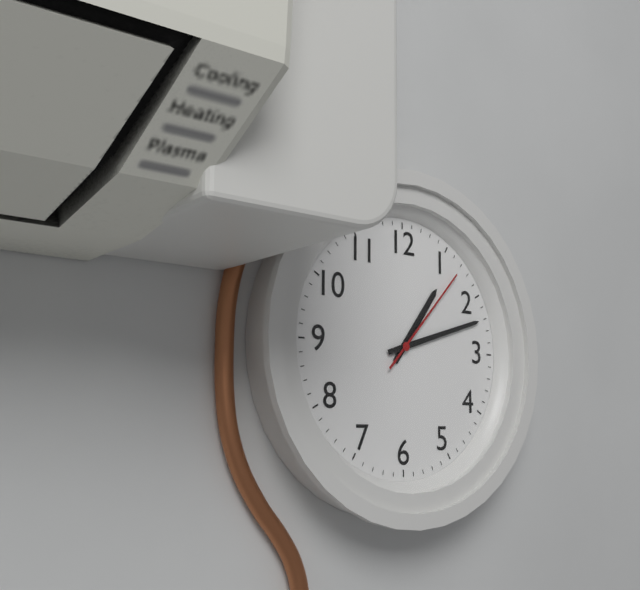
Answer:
1,12,07
